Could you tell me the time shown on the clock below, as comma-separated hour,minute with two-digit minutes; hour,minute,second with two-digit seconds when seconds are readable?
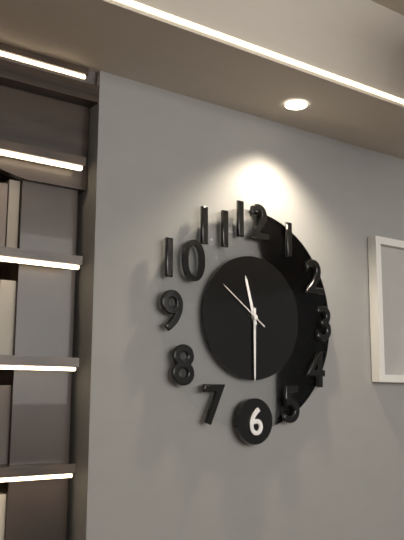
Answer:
11,30,51
